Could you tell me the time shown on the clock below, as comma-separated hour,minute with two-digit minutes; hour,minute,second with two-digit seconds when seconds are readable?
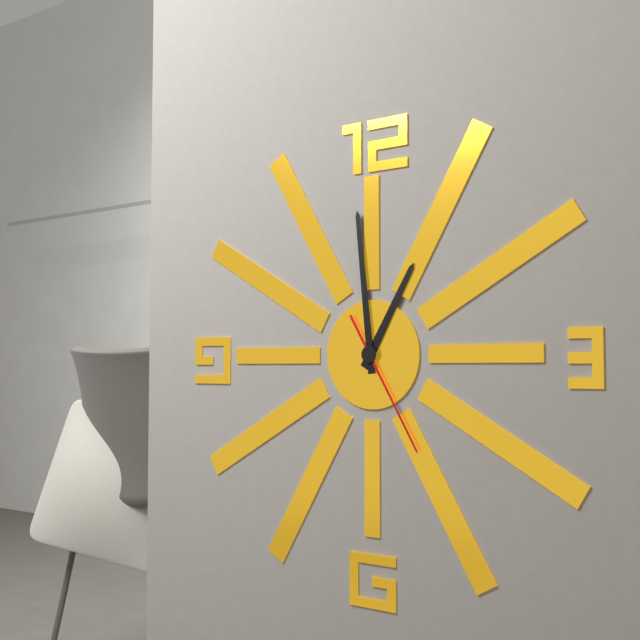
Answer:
12,59,25
